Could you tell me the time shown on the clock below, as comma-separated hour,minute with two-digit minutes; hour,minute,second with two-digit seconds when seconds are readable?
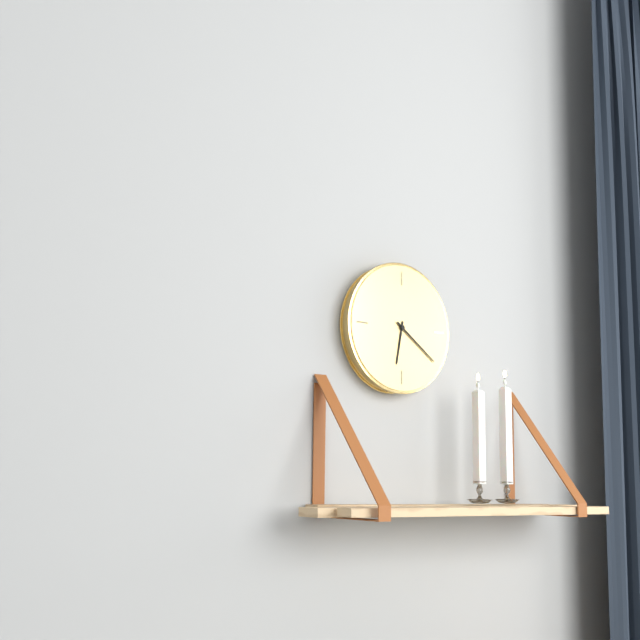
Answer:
6,21
